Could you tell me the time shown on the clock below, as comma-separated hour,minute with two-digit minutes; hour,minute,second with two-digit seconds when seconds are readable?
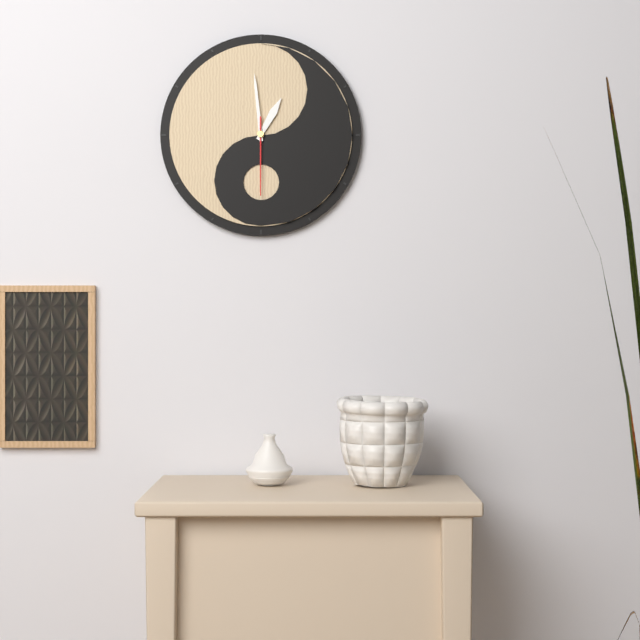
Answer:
12,59,30
